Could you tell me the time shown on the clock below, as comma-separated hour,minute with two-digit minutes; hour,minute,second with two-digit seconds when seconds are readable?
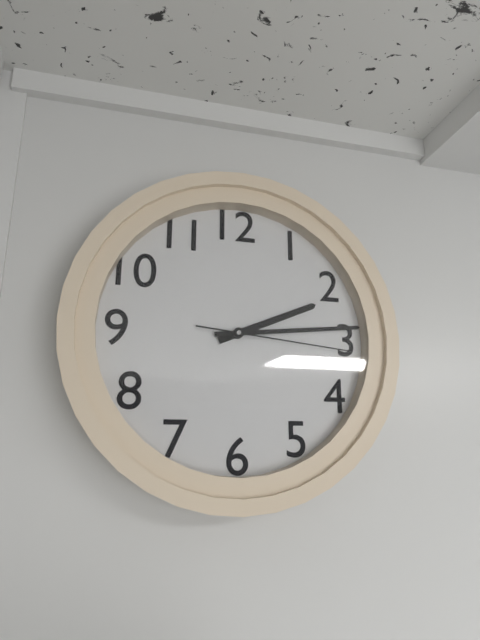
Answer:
2,14,16
